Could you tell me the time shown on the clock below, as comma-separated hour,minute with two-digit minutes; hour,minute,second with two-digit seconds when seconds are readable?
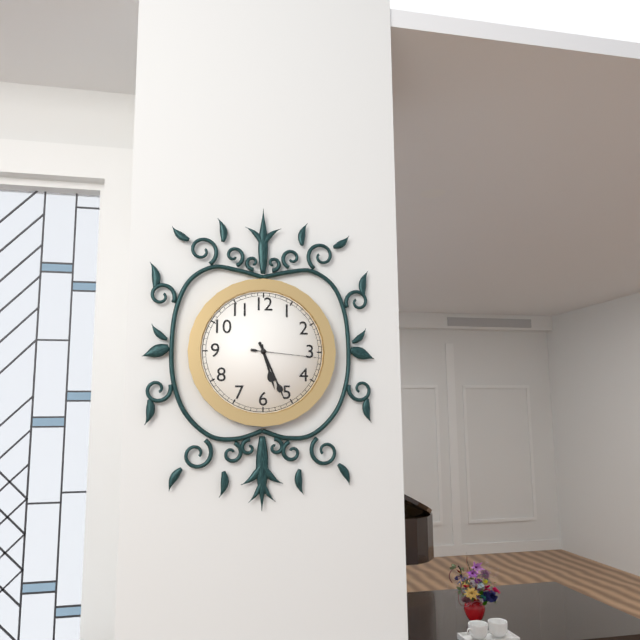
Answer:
5,26,16
